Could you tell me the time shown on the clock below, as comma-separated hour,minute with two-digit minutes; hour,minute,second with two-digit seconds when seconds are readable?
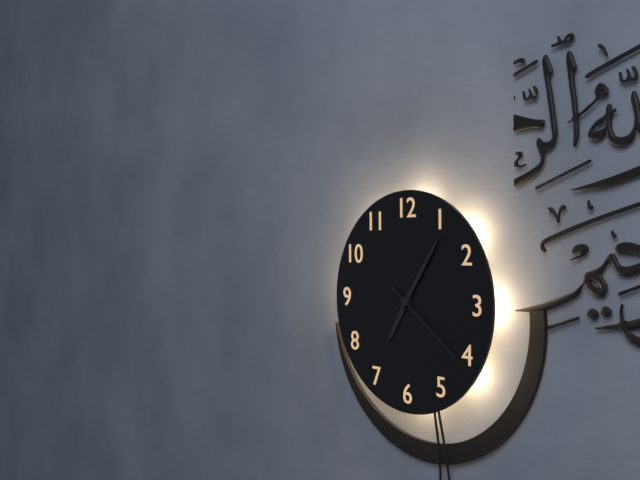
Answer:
7,06,21
